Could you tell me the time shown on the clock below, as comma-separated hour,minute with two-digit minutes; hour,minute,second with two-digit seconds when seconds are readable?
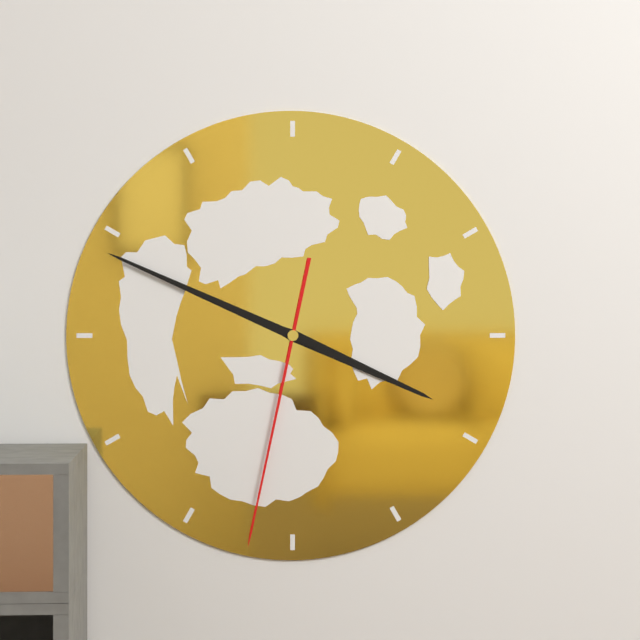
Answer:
3,49,32
